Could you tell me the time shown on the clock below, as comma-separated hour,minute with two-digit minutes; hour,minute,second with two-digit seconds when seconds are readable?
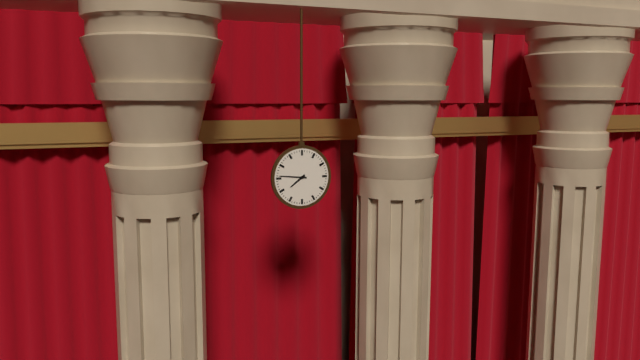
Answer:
7,46
